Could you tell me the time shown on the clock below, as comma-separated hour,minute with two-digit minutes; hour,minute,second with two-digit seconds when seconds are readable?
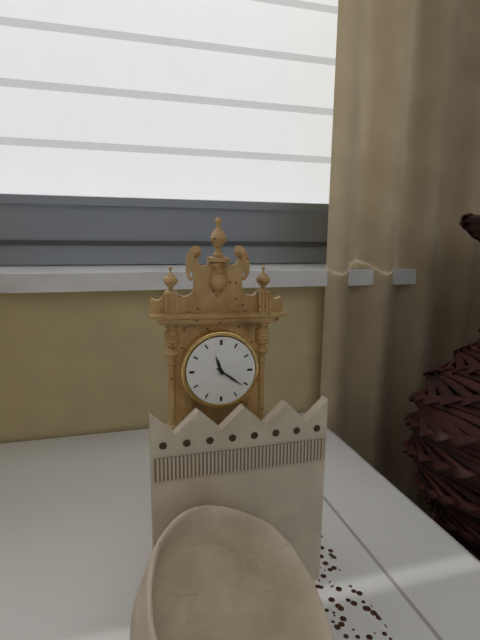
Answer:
11,21
